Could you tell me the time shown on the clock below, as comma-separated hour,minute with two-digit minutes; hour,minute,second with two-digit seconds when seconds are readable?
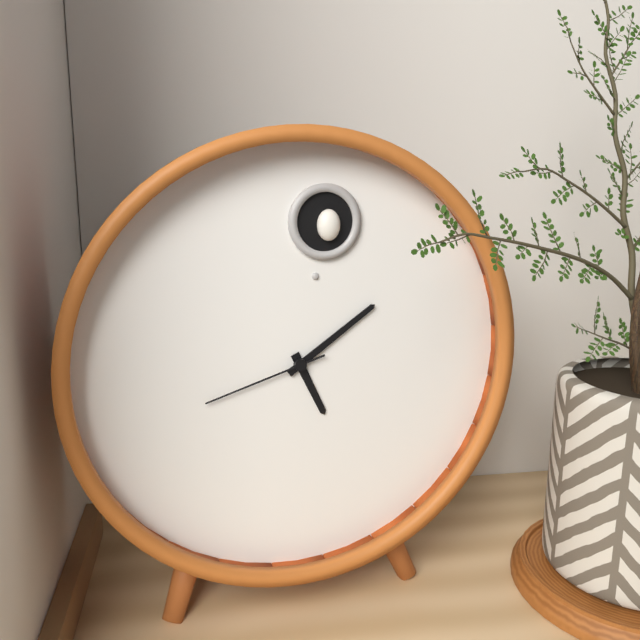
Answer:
5,09,42
